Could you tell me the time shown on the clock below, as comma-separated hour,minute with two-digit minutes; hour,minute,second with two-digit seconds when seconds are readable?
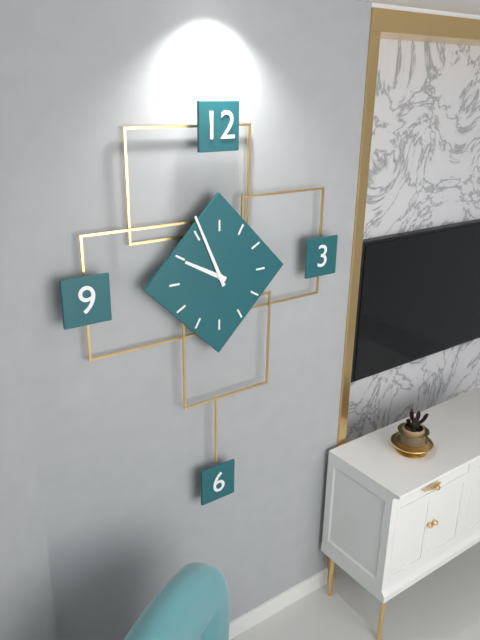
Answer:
9,56
